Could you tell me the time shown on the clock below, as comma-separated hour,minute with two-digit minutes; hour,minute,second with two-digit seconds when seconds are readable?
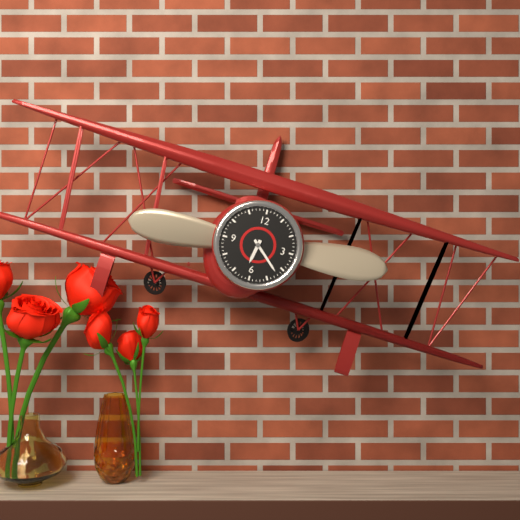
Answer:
6,22
